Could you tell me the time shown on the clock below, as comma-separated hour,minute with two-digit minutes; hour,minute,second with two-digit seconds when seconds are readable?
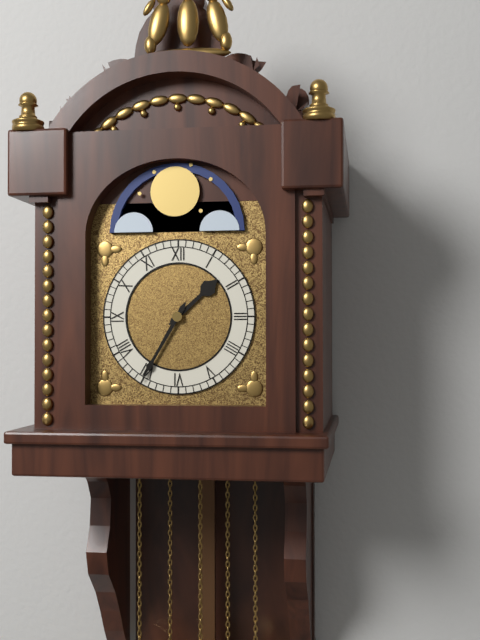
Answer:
1,35
